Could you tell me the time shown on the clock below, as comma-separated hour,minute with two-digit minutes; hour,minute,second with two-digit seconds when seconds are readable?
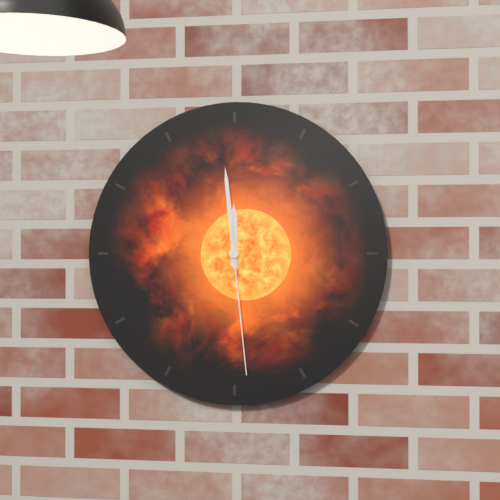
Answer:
11,59,29
